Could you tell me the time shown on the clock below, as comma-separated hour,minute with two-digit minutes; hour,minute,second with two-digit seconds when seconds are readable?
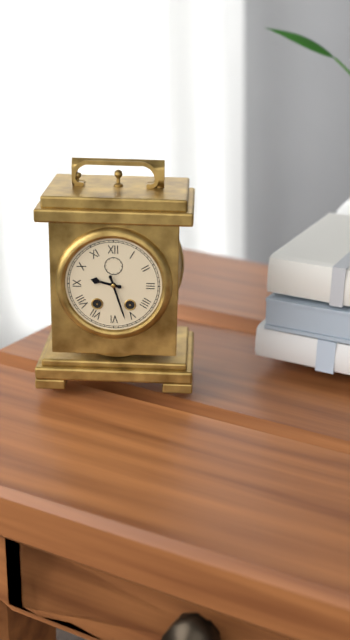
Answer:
9,27
